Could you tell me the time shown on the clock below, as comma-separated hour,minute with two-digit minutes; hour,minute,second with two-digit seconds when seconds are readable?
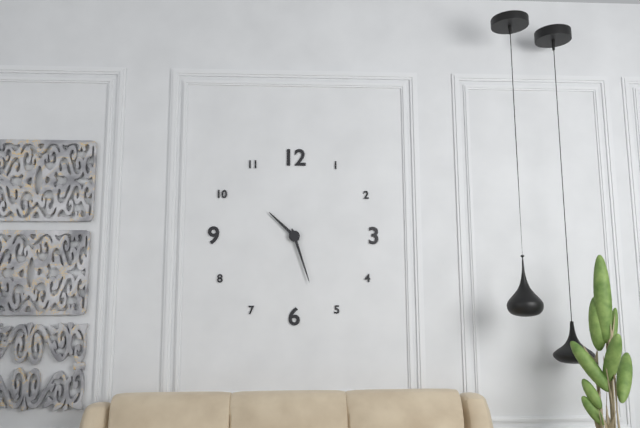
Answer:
10,27
